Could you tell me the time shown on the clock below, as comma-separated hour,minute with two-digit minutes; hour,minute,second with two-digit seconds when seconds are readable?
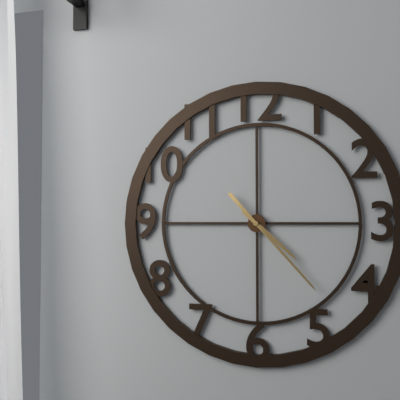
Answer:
4,23
